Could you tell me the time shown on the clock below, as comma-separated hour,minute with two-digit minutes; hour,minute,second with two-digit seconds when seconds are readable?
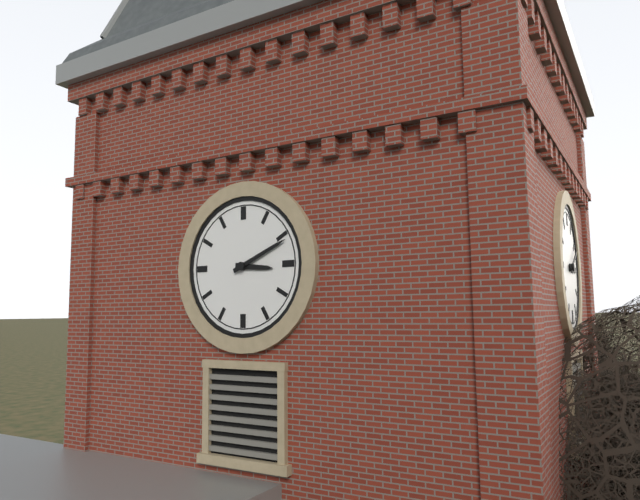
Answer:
3,11
